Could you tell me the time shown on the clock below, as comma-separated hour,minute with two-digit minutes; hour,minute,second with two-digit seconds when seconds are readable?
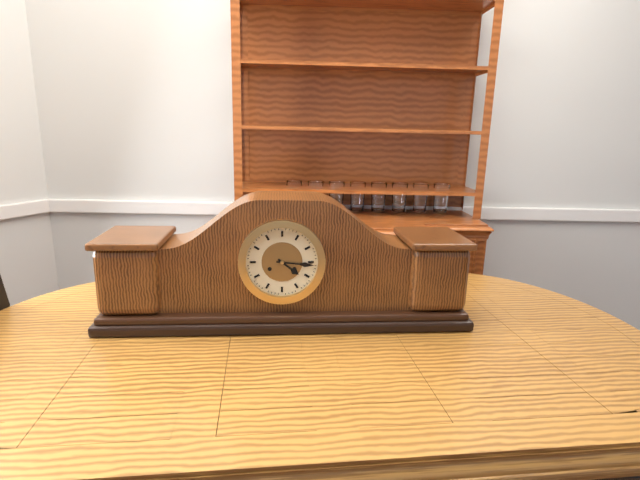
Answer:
4,16
